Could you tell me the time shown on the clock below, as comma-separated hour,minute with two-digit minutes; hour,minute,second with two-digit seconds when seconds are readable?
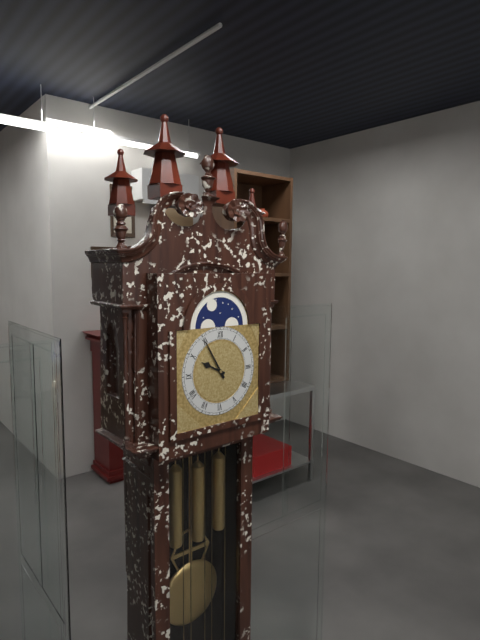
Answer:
9,55
